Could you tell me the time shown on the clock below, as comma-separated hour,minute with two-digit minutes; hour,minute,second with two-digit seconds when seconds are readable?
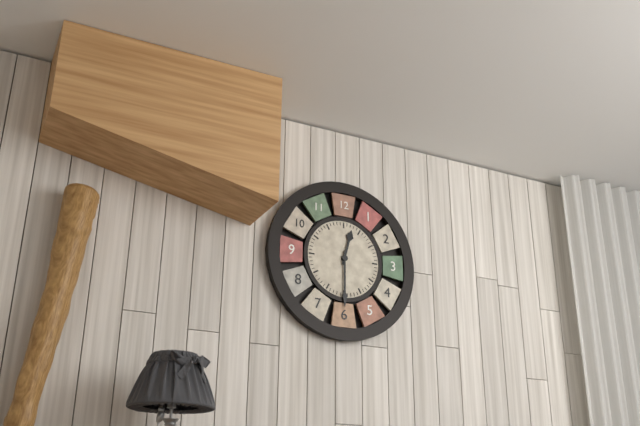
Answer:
12,30
